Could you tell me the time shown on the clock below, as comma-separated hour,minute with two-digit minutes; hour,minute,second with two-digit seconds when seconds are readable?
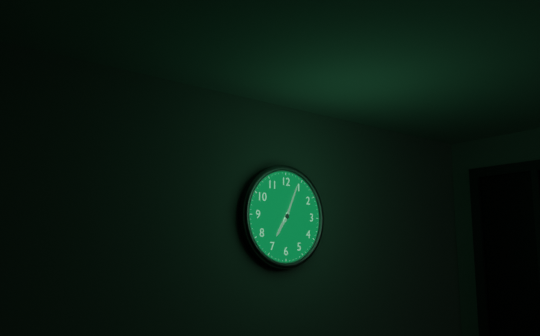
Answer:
7,04
